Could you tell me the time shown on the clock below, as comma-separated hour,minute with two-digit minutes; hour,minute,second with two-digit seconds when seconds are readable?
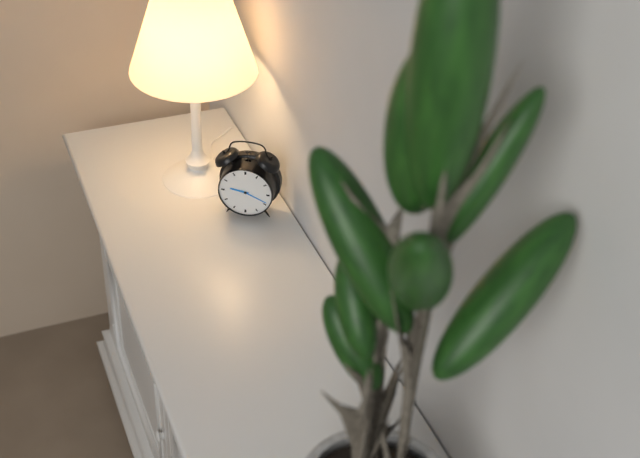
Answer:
9,19
